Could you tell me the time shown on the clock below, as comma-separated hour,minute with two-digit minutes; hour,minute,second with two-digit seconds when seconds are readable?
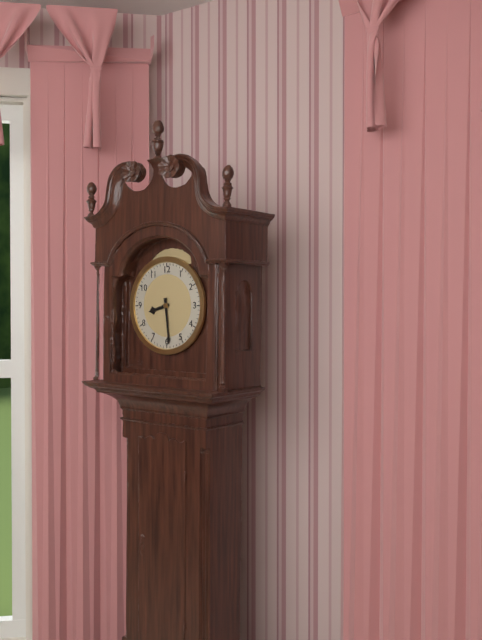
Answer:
8,29
